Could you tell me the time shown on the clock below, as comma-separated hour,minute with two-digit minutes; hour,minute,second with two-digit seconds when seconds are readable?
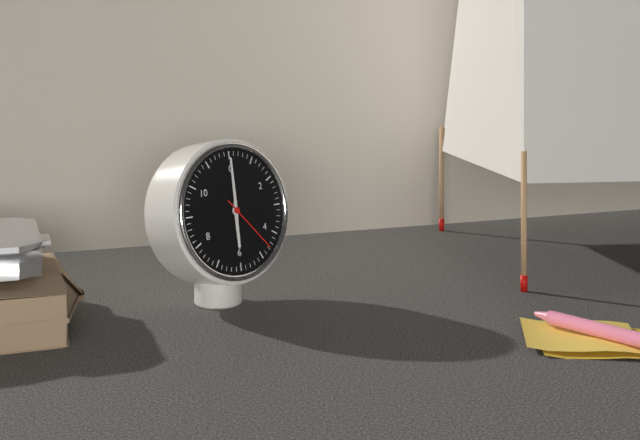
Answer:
6,00,23
